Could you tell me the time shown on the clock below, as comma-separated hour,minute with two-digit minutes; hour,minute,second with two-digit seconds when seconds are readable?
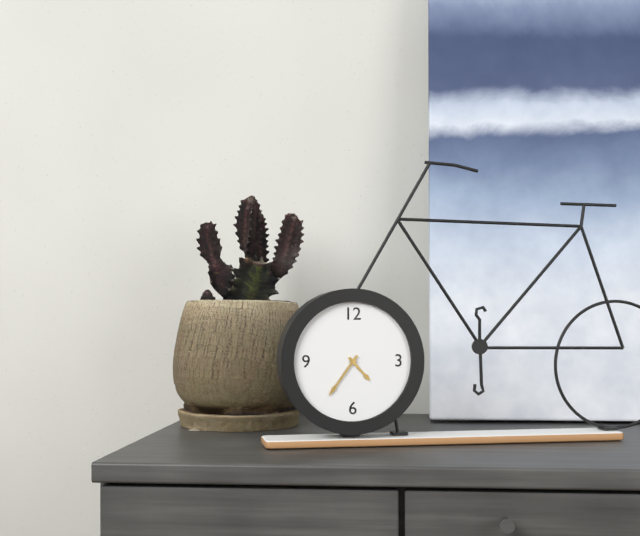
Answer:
4,36
